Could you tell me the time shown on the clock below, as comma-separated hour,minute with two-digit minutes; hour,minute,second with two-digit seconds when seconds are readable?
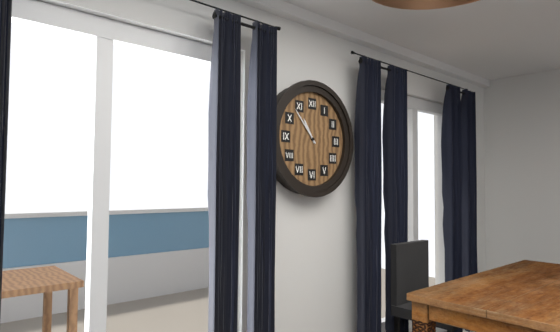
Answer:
10,53
